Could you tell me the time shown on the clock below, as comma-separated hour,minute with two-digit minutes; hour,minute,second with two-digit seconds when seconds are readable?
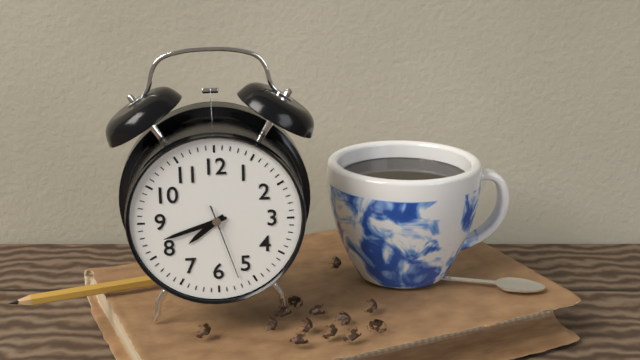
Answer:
7,42,27
